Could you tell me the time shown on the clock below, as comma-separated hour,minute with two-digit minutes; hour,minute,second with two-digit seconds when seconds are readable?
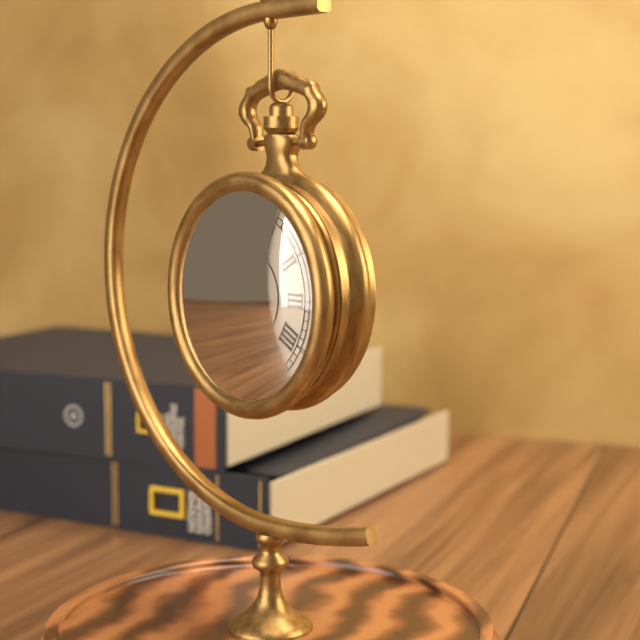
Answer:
7,54,29
